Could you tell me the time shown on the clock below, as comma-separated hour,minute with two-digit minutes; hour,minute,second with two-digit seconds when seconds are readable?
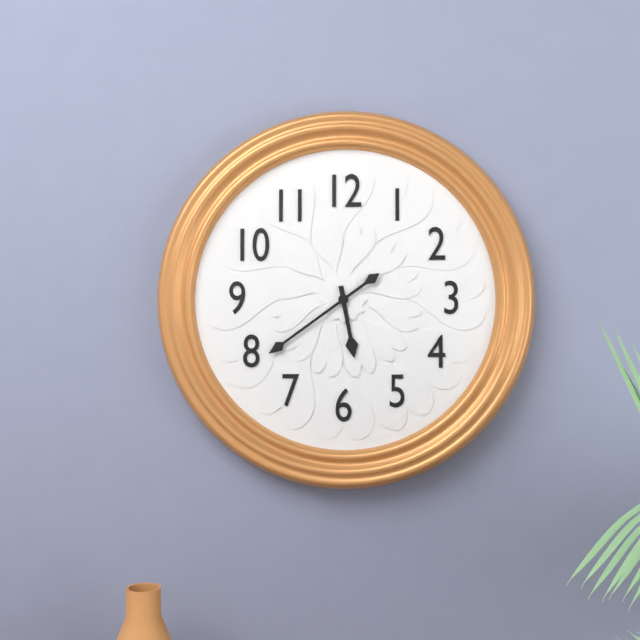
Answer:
5,39
